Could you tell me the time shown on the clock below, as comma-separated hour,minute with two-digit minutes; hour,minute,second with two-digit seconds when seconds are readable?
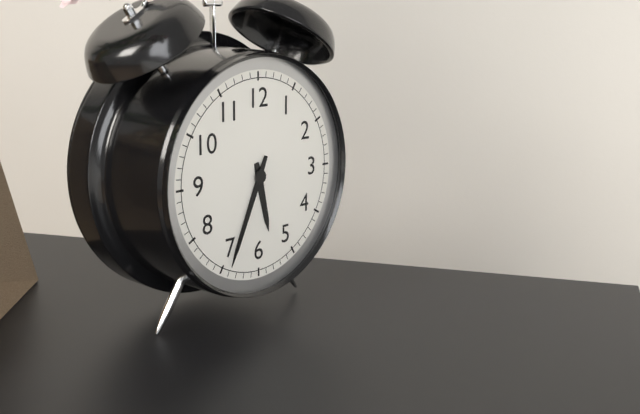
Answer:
5,34
